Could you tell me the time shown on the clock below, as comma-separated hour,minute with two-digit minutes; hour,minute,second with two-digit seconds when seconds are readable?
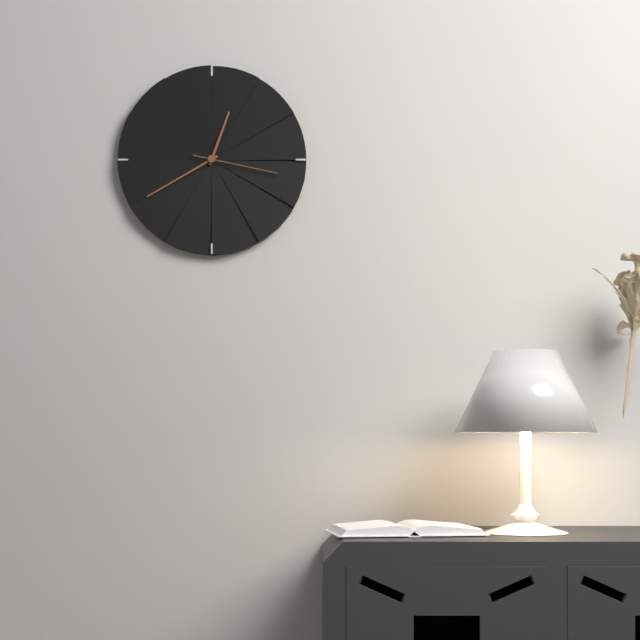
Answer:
12,40,17
